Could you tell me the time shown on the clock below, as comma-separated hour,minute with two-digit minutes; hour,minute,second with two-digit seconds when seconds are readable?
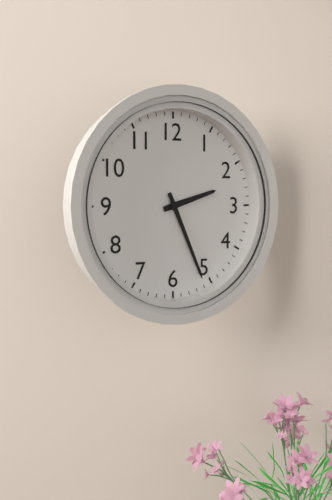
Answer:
2,26
